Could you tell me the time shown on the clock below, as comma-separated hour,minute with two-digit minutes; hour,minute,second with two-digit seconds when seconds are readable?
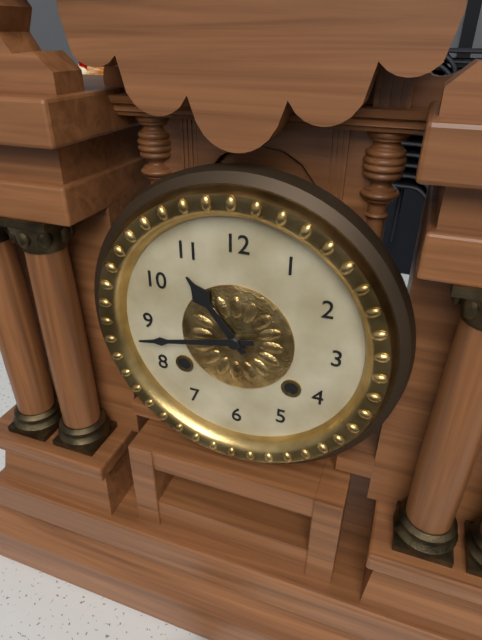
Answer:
10,43
